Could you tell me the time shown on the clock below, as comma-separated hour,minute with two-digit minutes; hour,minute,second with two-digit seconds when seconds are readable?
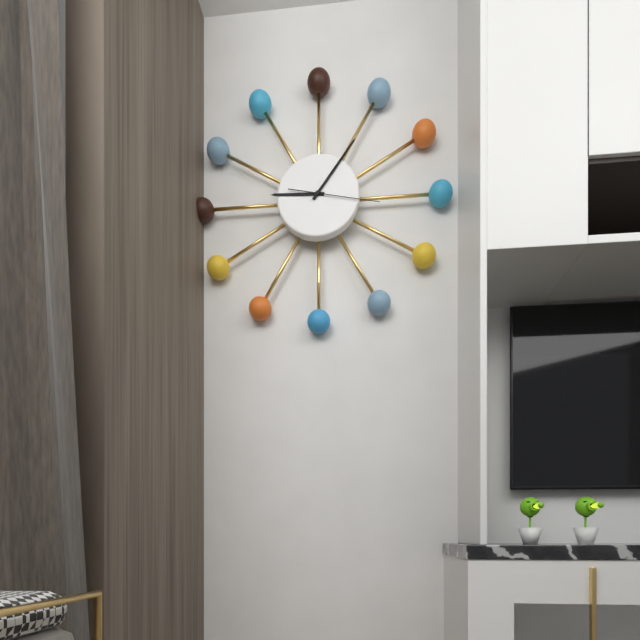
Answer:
9,06,17
